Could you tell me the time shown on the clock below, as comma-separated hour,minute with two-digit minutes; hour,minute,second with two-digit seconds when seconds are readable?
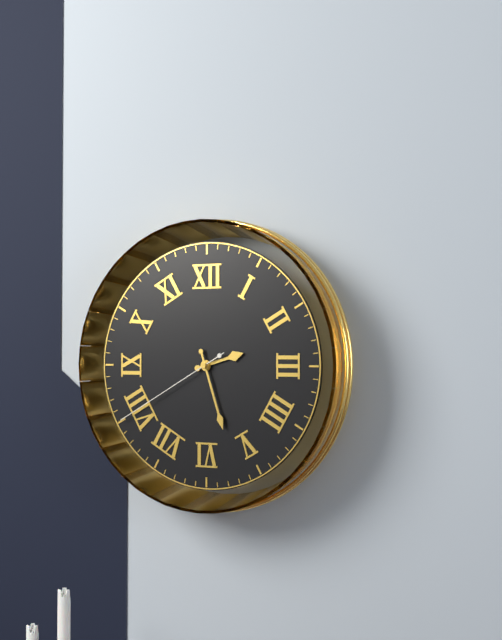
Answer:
2,27,40
